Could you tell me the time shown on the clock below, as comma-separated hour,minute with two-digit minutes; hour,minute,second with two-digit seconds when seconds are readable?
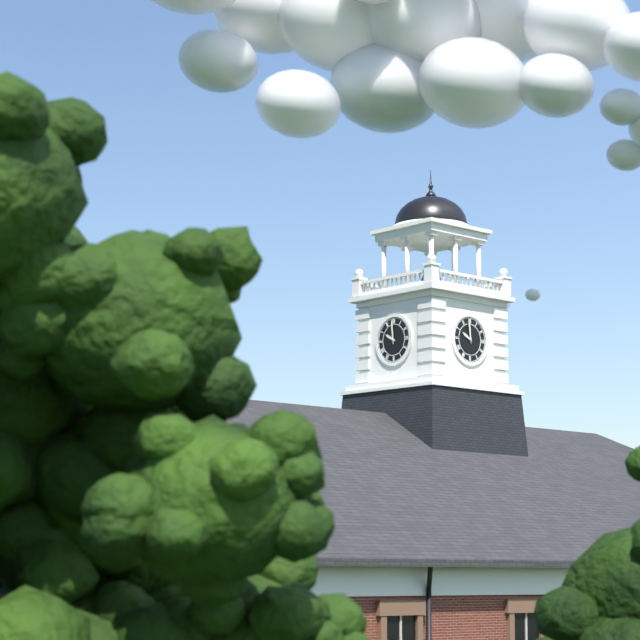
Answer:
9,59
